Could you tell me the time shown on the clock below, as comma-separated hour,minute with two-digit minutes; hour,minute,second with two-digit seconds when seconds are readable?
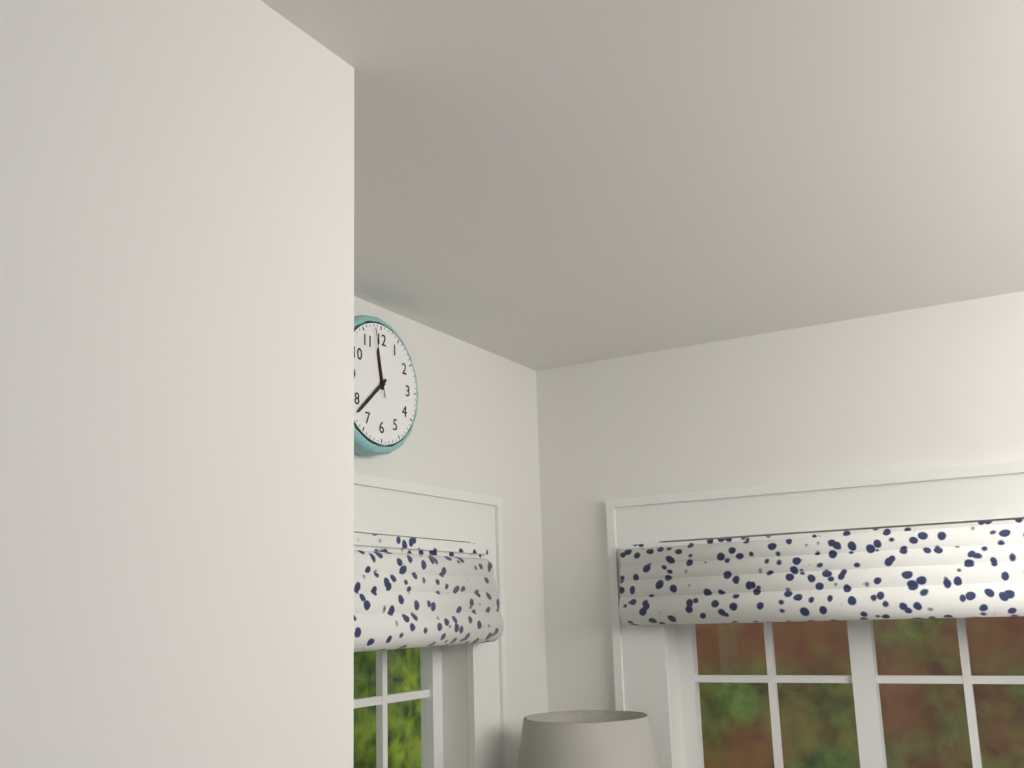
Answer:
11,38,58
